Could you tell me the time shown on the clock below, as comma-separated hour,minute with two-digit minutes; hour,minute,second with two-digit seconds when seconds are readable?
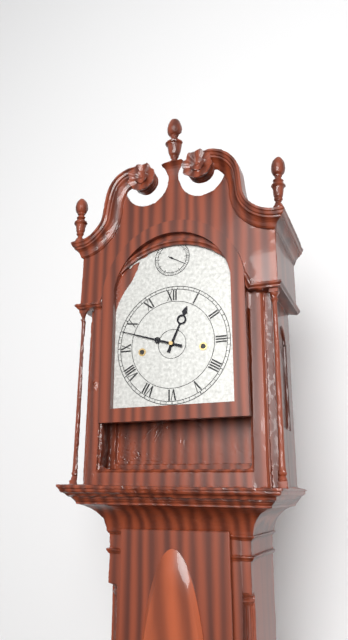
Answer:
12,48
